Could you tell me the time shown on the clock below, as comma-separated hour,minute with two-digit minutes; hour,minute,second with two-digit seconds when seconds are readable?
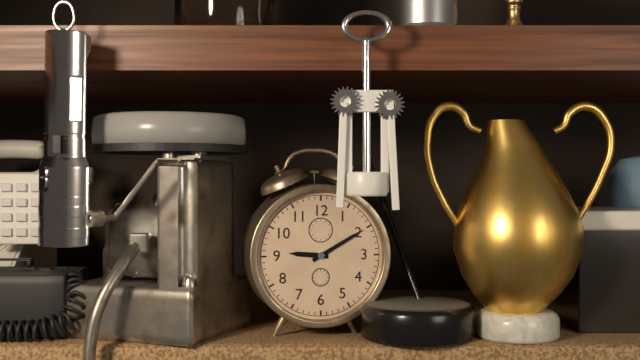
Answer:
9,10
